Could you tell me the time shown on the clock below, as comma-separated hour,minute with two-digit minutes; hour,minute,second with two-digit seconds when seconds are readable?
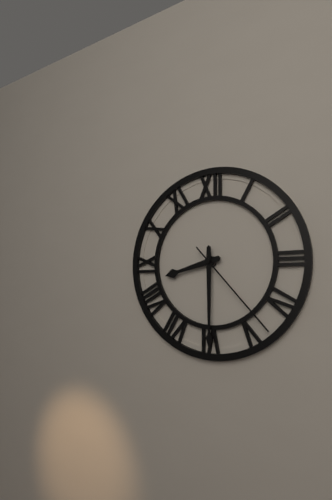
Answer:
8,30,23
